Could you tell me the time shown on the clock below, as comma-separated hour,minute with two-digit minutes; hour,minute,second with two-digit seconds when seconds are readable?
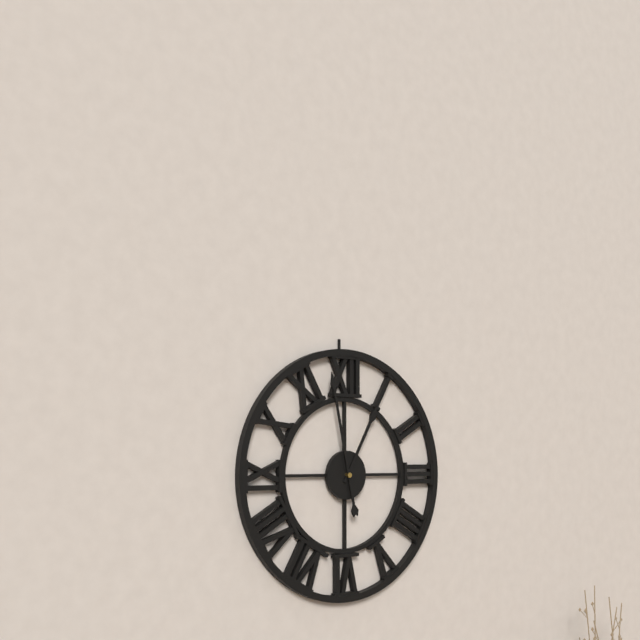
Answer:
12,58
